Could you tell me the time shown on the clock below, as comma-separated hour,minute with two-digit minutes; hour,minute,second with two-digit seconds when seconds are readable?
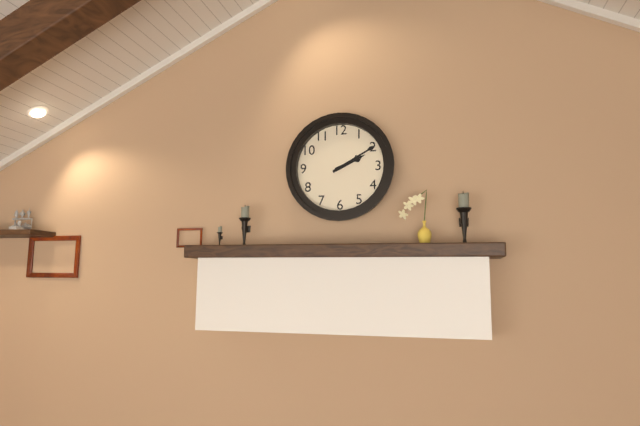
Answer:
2,10
